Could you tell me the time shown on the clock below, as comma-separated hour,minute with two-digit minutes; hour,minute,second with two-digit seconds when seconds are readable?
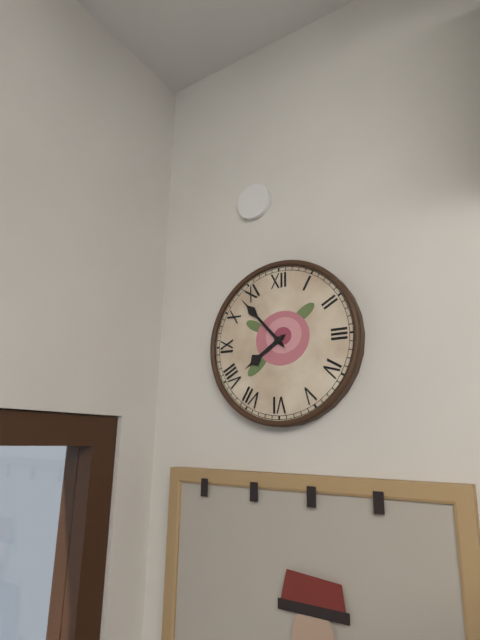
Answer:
7,53
